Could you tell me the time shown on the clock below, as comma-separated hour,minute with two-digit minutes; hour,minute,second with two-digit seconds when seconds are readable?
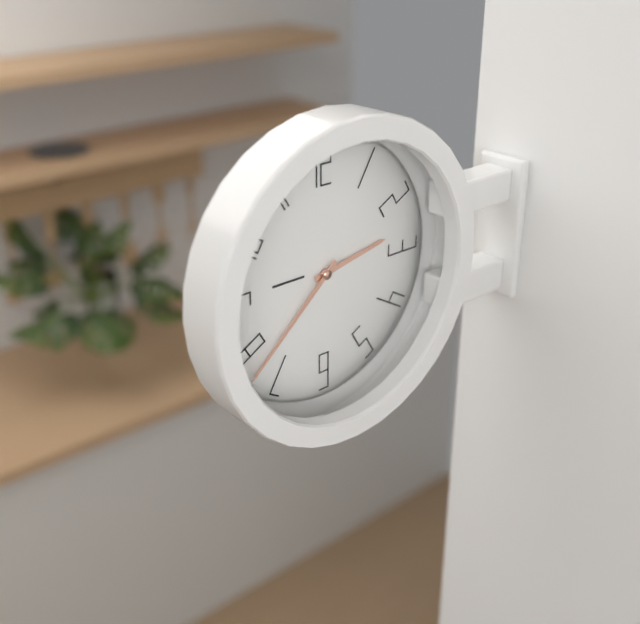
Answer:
2,38
